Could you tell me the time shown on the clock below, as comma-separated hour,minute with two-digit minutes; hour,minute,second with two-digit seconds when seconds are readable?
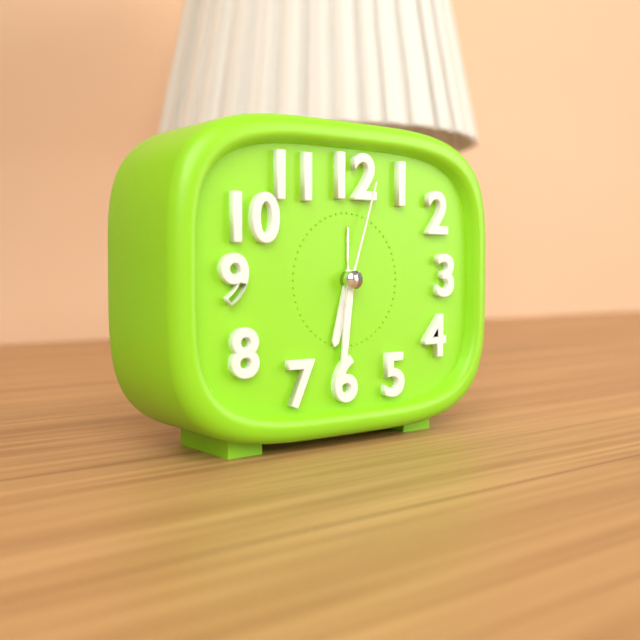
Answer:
6,31,03
